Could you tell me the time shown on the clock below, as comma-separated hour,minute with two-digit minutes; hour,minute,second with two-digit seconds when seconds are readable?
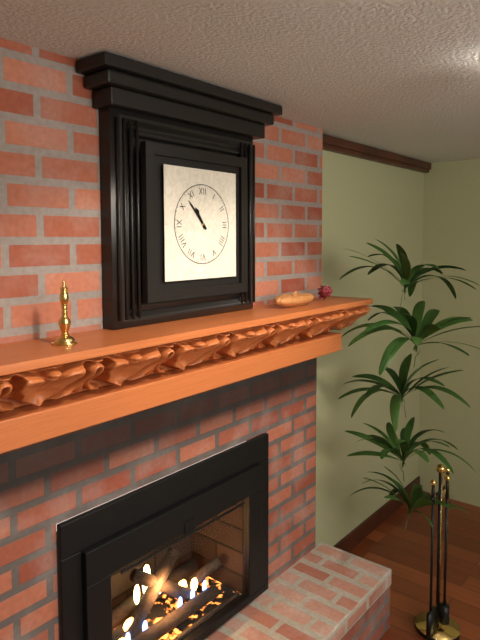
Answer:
10,53
